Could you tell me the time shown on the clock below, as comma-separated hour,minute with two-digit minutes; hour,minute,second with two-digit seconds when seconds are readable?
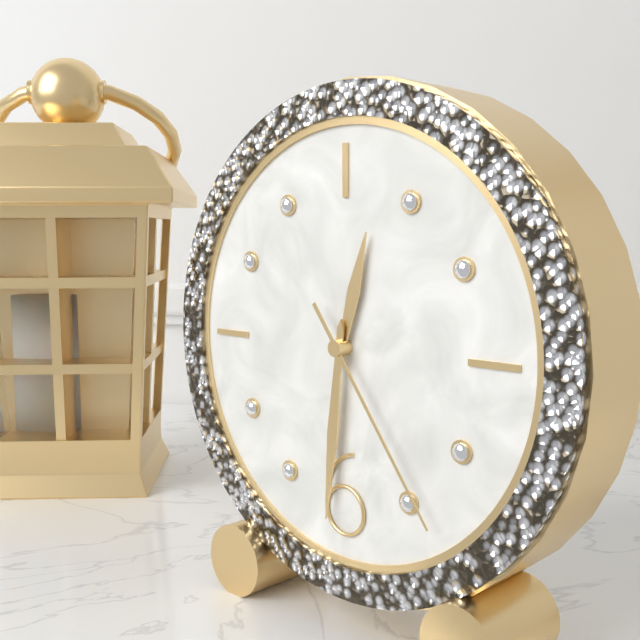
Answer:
12,31,24
